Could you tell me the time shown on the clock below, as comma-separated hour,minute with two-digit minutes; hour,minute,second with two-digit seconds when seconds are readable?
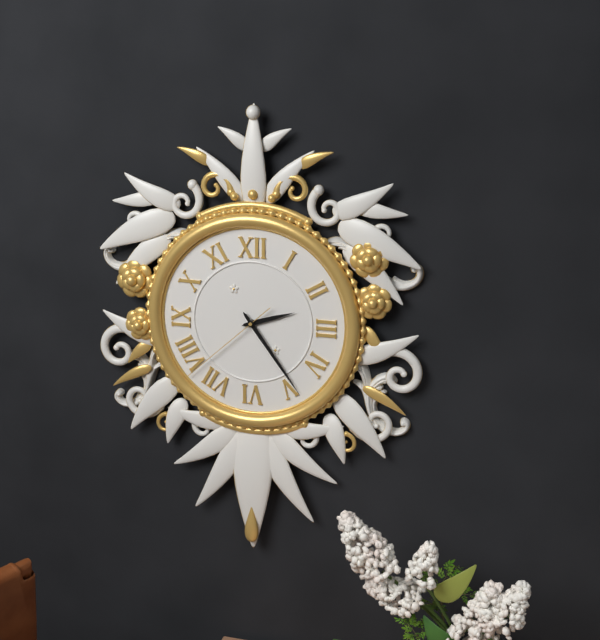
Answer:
2,24,38
